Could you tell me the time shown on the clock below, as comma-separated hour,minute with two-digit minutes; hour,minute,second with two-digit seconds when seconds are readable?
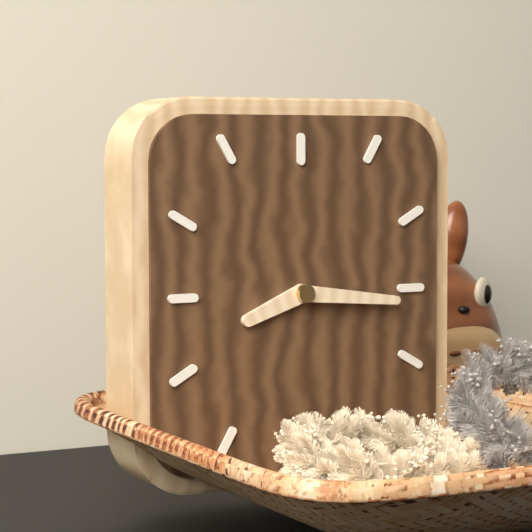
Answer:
8,16
